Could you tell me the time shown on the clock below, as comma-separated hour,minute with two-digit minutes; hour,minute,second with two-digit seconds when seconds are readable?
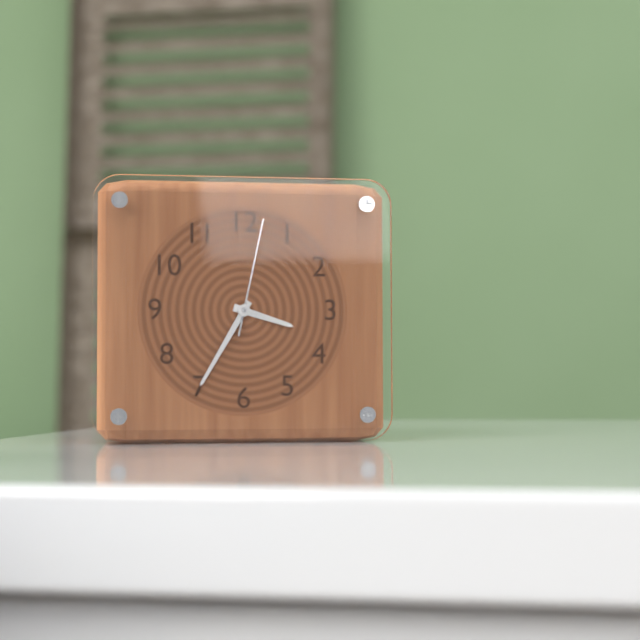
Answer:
3,35,02
